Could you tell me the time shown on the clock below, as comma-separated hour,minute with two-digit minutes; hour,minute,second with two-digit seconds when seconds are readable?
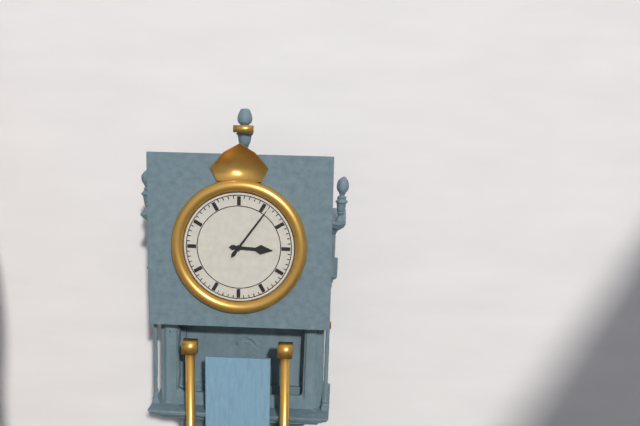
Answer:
3,06
